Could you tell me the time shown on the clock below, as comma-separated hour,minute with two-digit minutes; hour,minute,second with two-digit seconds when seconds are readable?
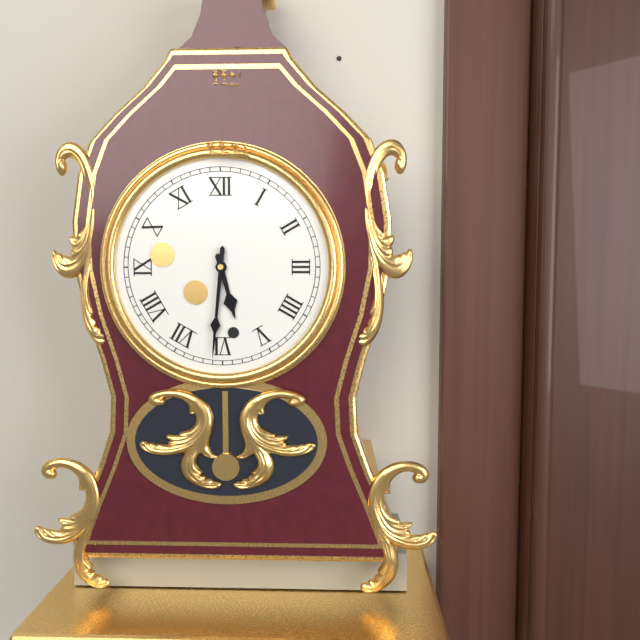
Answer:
5,31
